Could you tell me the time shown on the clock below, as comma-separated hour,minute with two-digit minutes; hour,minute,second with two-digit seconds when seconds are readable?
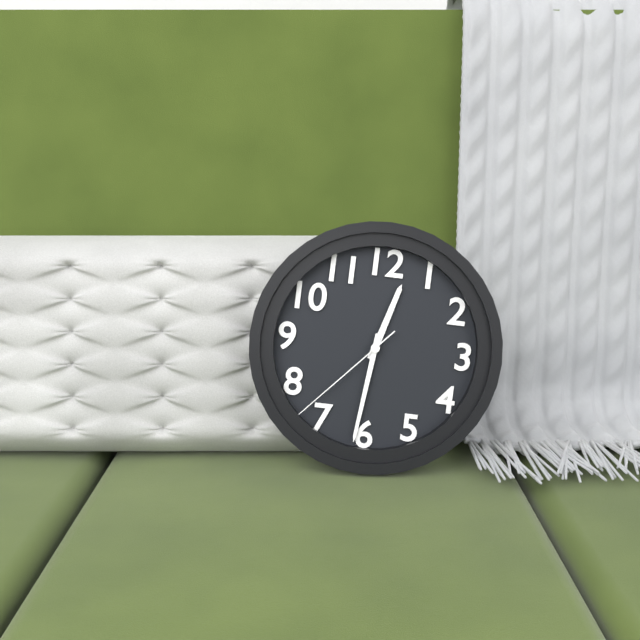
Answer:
12,31,37
